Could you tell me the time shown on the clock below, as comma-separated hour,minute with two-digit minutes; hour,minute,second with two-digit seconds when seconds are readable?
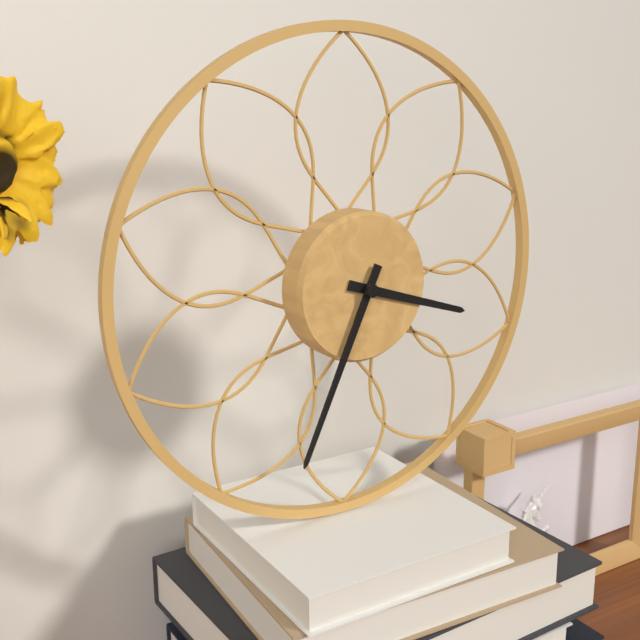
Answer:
3,34
